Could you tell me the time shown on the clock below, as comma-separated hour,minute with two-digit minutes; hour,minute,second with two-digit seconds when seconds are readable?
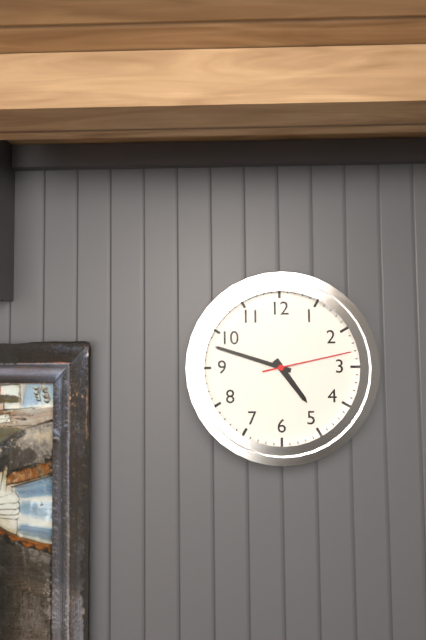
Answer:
4,48,13
